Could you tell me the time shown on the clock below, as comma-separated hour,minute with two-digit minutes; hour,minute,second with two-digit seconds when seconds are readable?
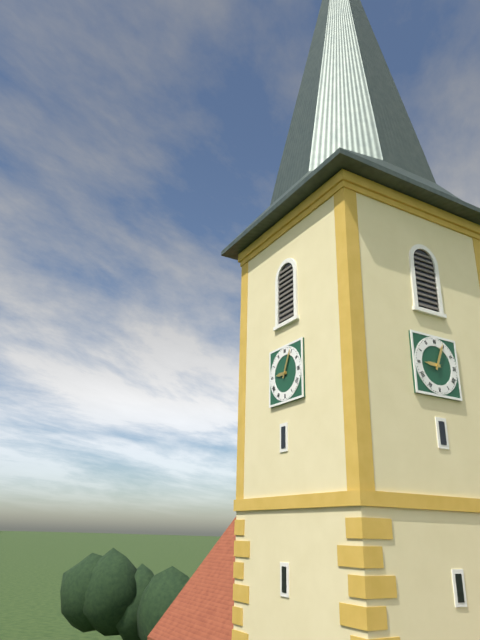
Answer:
9,04
